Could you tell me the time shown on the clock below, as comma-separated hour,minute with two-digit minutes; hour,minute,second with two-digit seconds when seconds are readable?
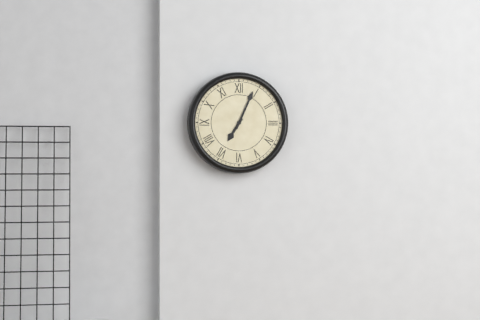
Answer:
7,04
